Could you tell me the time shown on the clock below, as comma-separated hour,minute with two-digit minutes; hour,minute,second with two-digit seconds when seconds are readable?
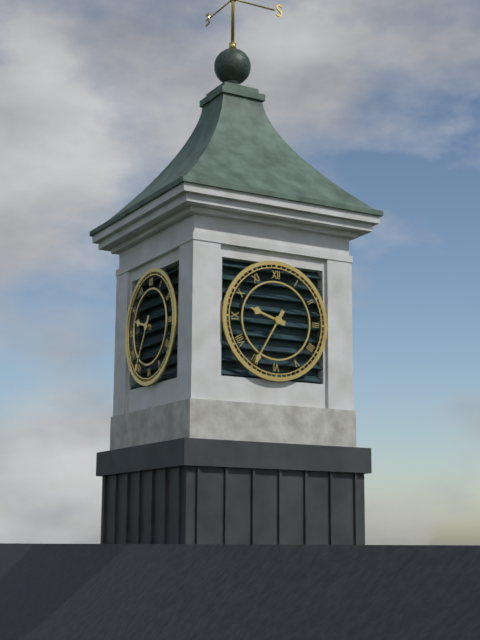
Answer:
9,35
